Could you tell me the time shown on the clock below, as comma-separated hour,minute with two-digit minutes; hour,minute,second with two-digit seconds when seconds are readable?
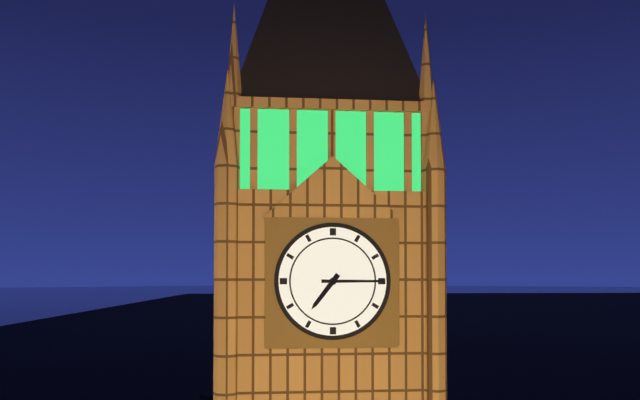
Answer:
7,15
